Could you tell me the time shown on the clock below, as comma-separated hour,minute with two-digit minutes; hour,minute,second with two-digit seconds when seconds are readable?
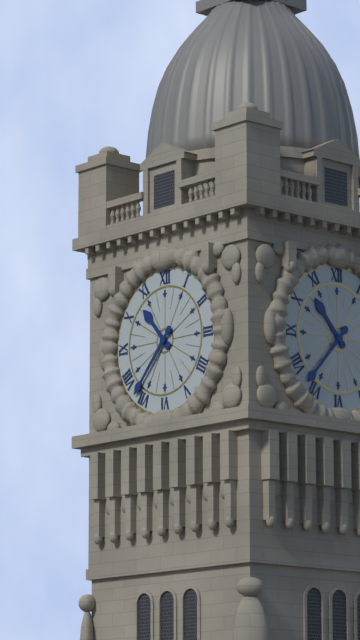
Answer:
10,37
